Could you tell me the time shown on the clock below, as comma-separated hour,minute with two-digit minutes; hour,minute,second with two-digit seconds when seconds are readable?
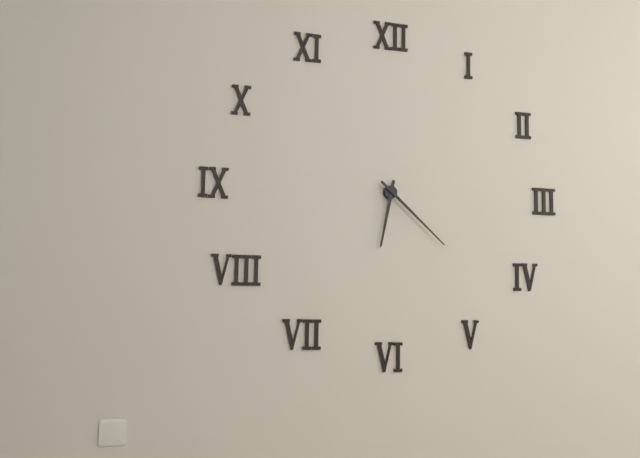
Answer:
6,22
